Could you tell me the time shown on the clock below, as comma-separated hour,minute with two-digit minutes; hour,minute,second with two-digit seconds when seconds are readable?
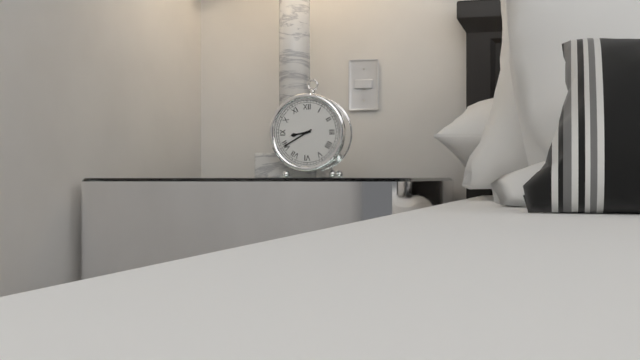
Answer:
8,40
